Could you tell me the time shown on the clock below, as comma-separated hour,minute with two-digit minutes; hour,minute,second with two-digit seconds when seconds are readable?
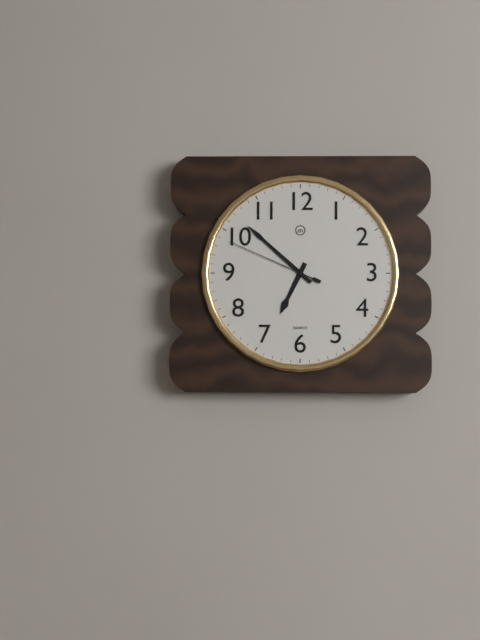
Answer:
6,52,49
